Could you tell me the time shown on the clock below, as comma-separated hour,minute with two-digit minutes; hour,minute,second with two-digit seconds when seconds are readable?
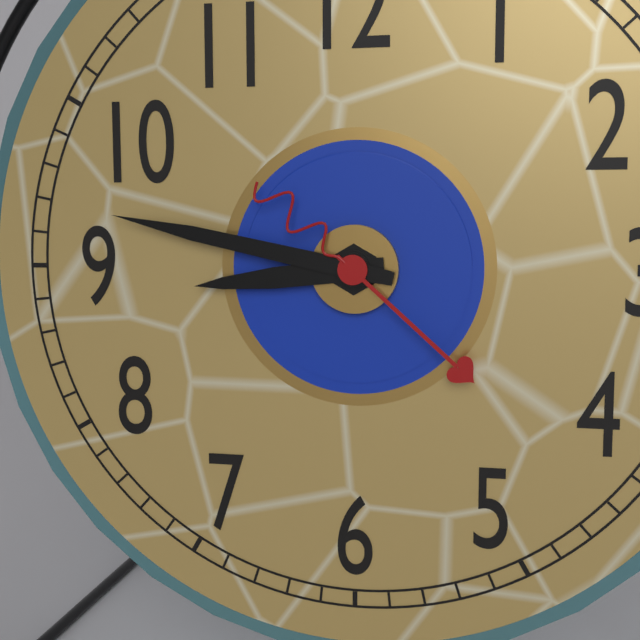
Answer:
8,47,22
